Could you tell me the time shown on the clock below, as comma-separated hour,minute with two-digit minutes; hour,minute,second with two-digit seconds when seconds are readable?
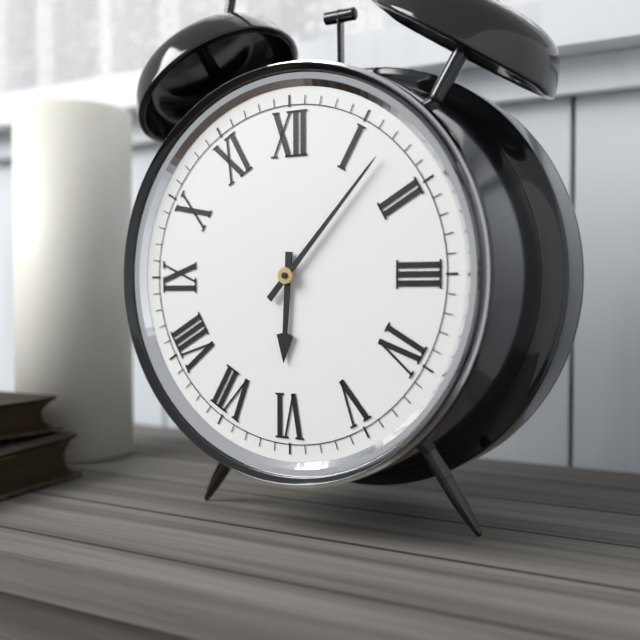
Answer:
6,07
